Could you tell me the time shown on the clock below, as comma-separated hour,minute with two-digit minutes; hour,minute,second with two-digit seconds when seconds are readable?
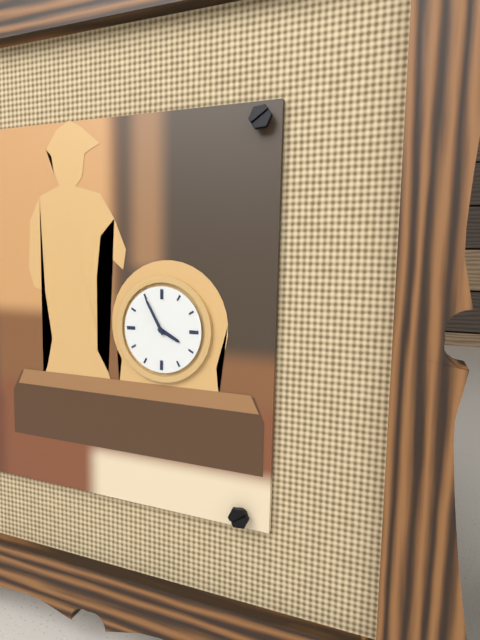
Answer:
3,55
